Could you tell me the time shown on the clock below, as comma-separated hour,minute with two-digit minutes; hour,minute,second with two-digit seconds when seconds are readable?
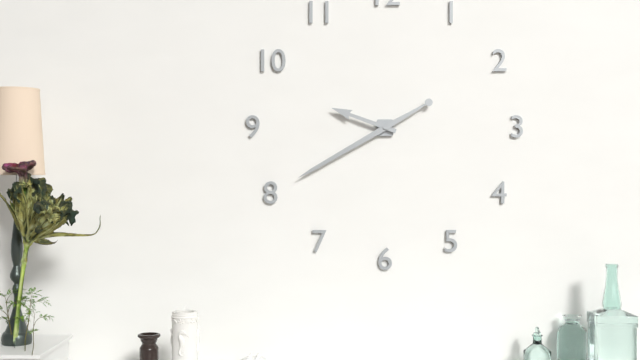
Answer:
9,40
